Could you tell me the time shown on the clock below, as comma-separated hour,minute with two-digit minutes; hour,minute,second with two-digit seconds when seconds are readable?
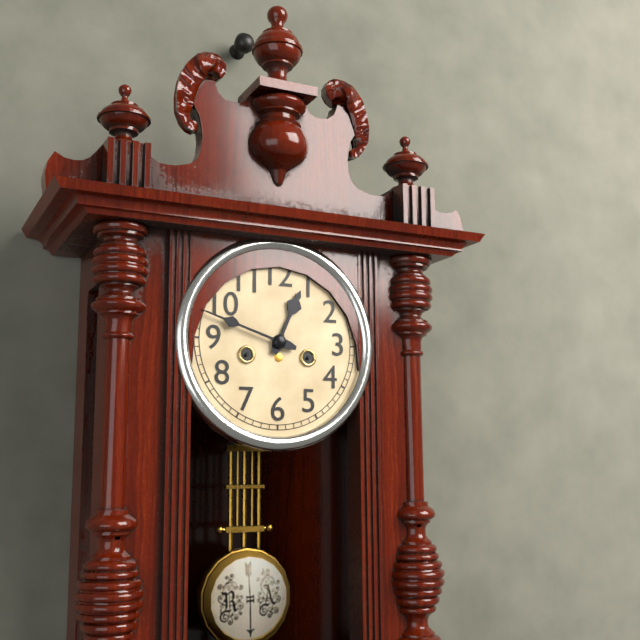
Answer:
12,48
